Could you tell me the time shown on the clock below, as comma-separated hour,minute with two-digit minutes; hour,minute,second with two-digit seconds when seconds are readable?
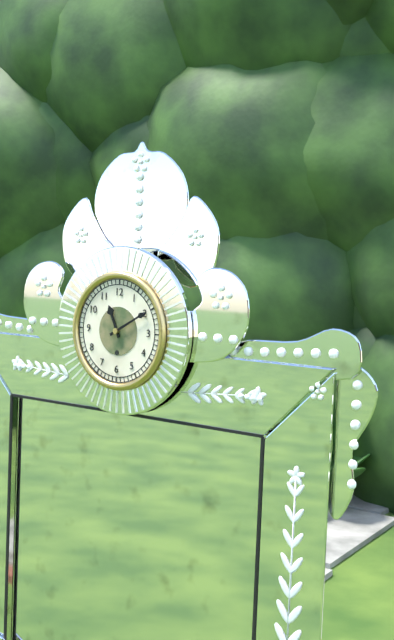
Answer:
11,10
